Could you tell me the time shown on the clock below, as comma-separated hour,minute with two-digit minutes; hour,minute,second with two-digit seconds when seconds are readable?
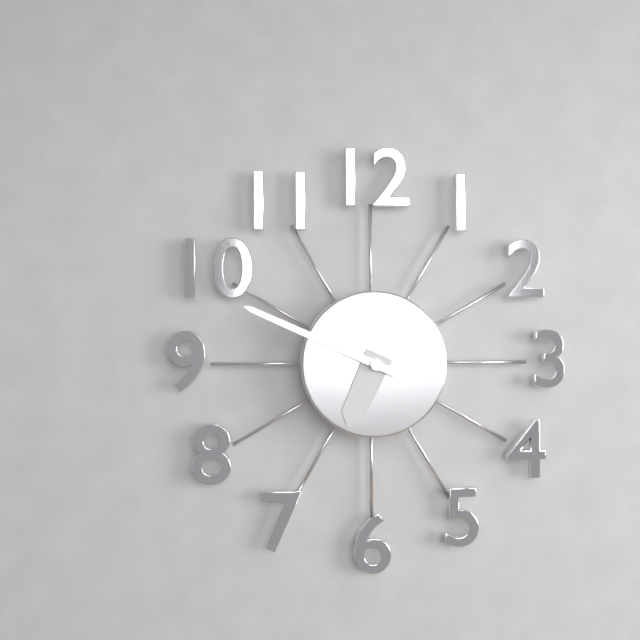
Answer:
6,49
